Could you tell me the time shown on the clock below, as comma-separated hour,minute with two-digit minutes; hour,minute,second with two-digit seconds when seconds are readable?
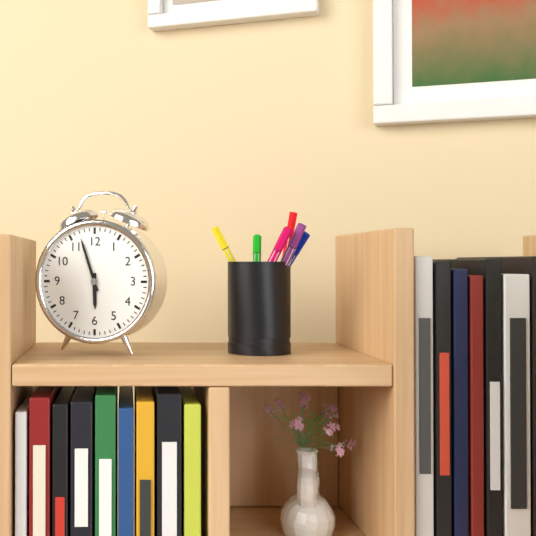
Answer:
5,57
